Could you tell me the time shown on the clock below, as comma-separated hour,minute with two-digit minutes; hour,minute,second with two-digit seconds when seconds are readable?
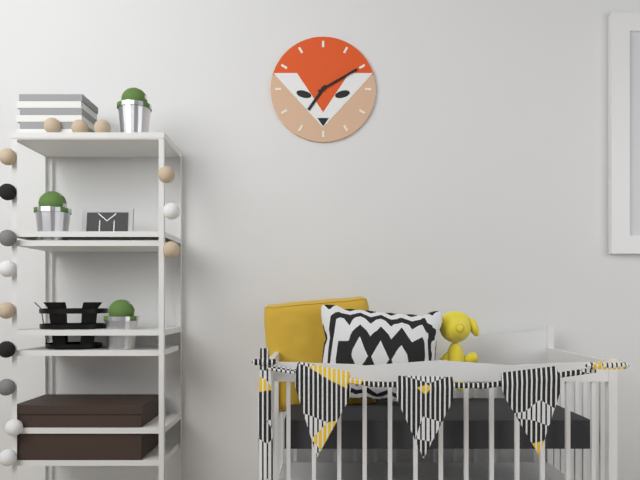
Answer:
7,10
